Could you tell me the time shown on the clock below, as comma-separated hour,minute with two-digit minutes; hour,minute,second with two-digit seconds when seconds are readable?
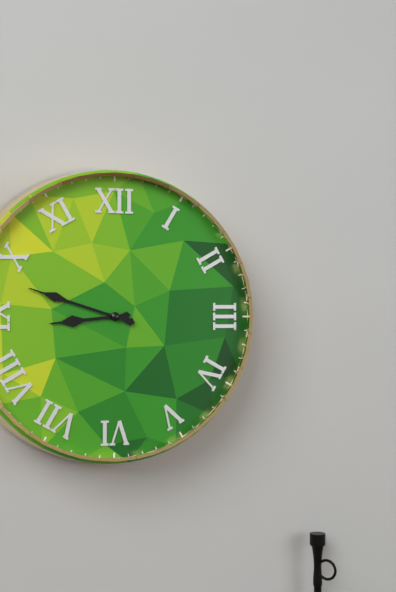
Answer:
8,48
